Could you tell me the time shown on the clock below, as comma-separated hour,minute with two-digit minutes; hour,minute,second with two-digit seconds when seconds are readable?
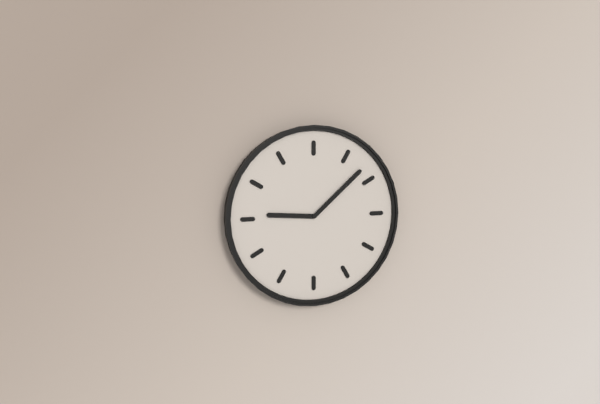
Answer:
9,08
